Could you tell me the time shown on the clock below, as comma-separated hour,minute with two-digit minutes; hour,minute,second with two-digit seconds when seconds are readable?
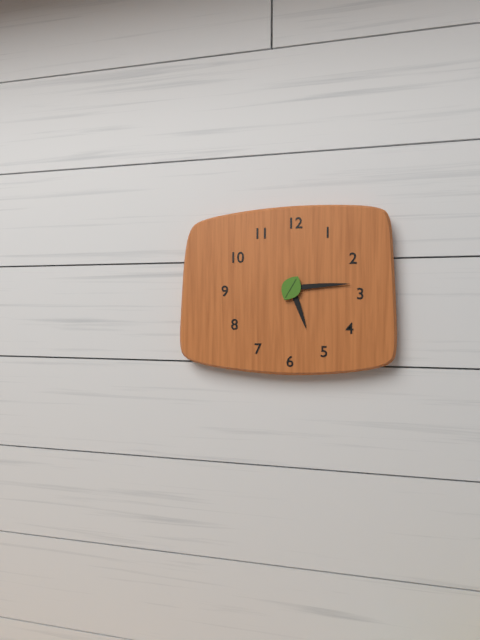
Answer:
5,14
